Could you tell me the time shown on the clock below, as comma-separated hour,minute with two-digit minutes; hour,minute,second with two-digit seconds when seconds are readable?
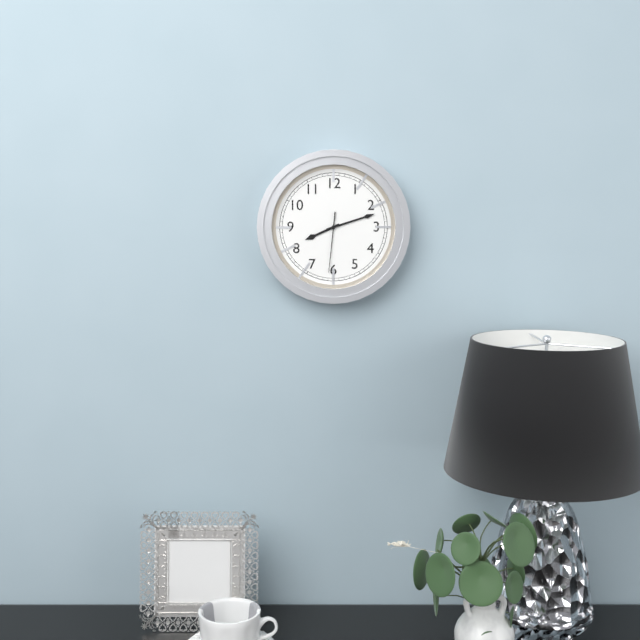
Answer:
8,12,31
